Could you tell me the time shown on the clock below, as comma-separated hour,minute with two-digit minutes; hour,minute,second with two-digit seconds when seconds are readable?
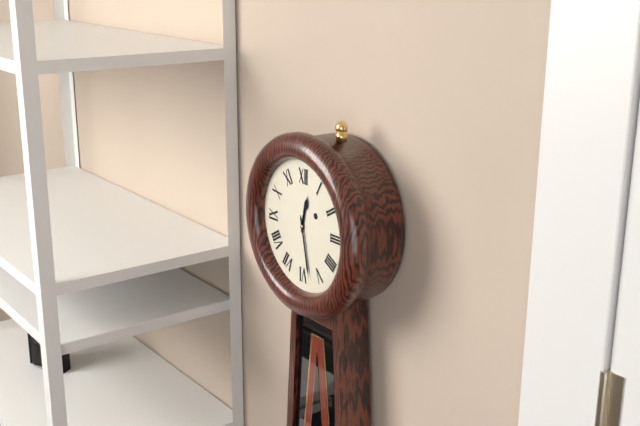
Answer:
12,28
